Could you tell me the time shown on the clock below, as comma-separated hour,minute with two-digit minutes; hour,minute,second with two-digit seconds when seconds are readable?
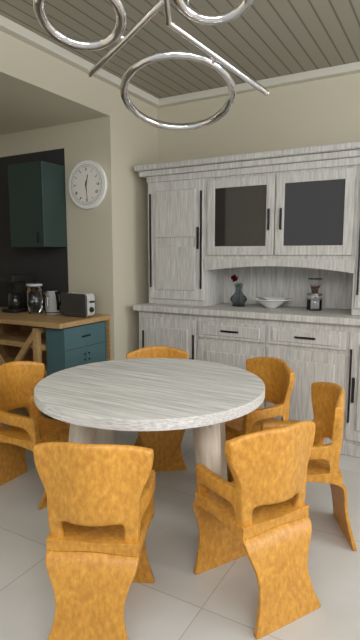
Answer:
12,29
